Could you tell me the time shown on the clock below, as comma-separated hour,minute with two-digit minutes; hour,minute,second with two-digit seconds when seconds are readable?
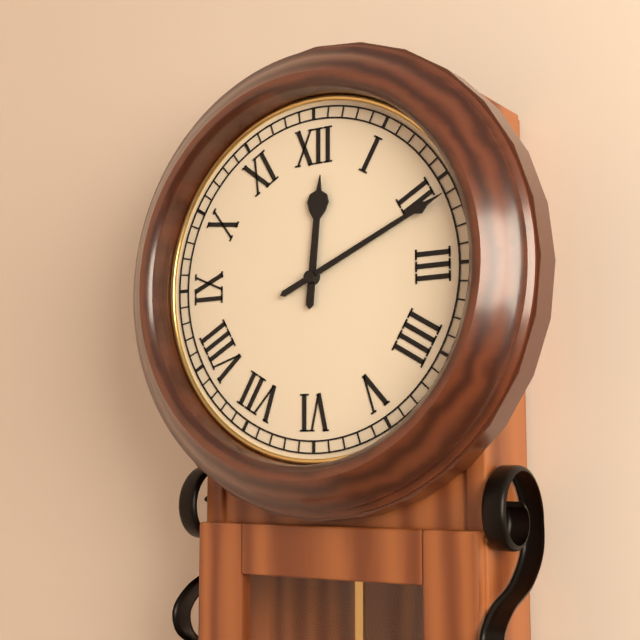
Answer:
12,11
